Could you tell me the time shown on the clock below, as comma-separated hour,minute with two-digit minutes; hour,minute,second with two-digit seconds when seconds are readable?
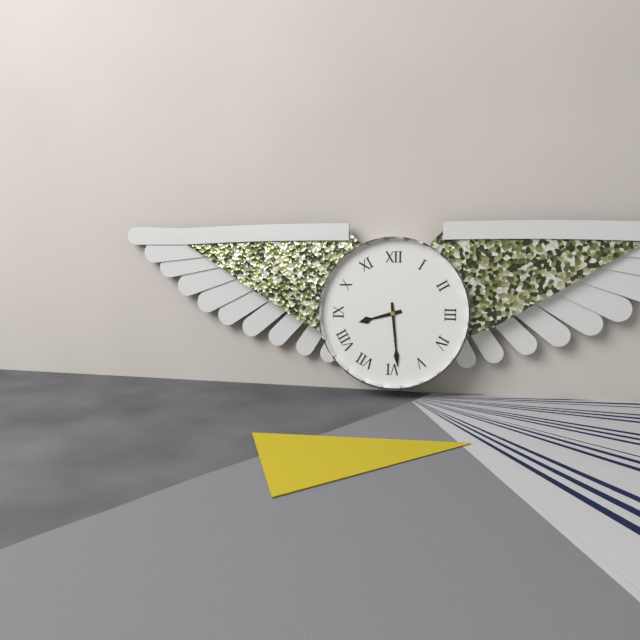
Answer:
8,29
